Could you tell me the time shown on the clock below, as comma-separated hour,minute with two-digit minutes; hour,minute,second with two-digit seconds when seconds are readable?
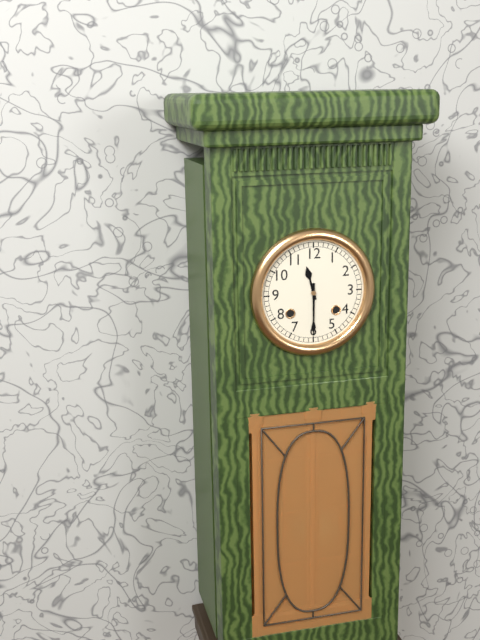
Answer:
11,30
